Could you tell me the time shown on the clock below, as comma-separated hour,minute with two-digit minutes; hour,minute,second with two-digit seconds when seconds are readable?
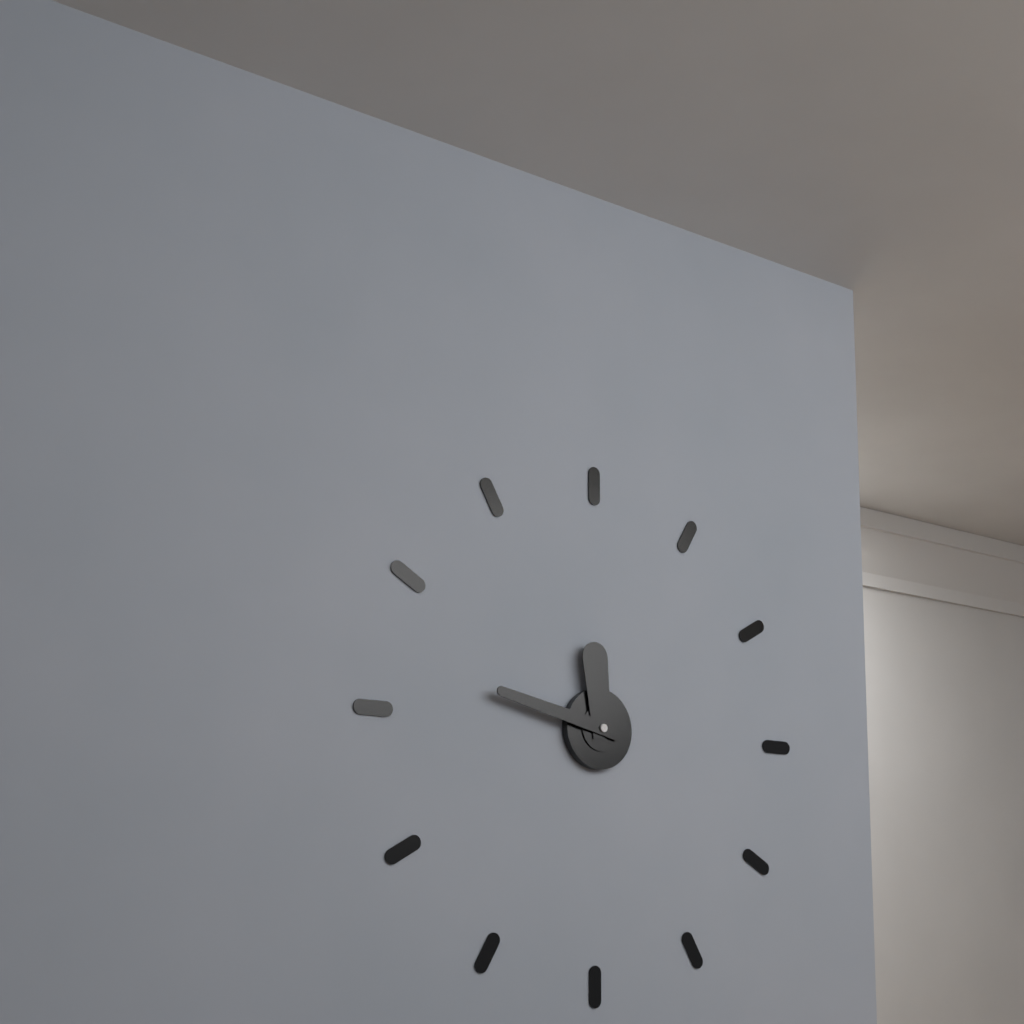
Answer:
11,47
